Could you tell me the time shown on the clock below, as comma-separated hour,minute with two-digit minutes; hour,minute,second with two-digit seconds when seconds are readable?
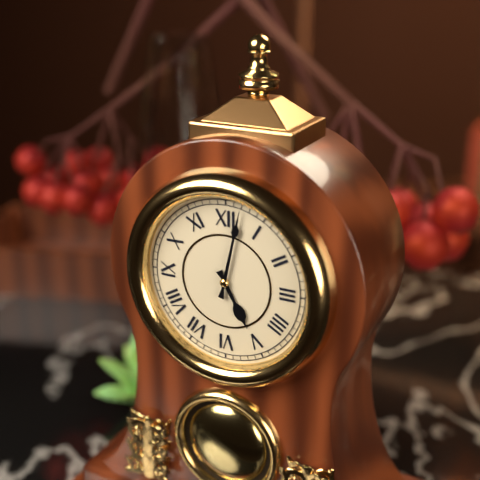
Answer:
5,02
